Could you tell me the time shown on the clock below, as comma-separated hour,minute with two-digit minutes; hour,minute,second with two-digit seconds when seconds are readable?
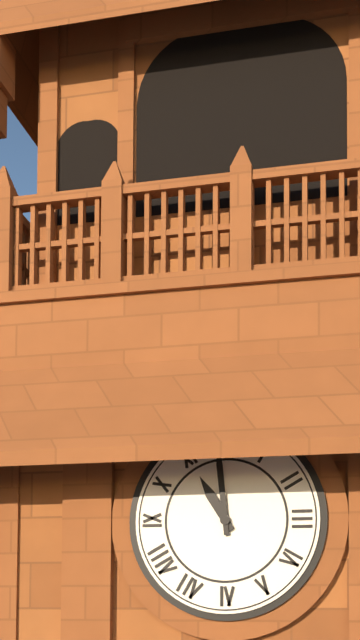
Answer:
10,59
